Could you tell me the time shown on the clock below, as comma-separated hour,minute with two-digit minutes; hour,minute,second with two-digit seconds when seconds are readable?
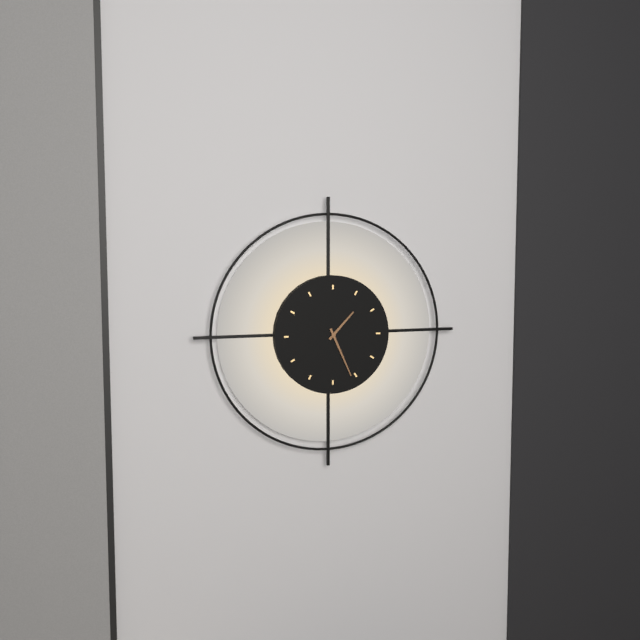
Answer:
1,26
